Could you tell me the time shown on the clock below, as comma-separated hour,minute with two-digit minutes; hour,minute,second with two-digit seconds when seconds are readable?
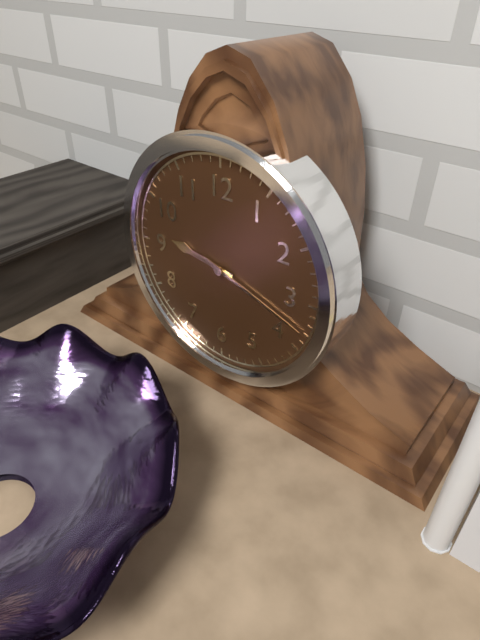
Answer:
9,18
